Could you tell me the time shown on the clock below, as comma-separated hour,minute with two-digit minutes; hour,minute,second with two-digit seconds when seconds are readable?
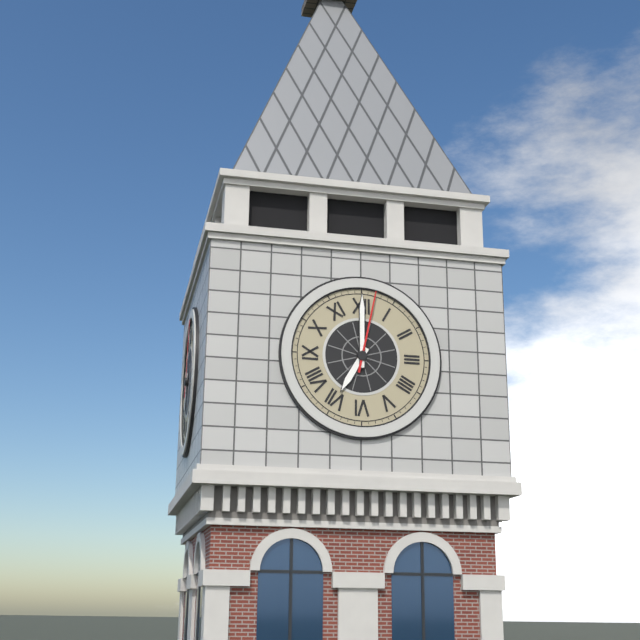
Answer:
7,00,02
